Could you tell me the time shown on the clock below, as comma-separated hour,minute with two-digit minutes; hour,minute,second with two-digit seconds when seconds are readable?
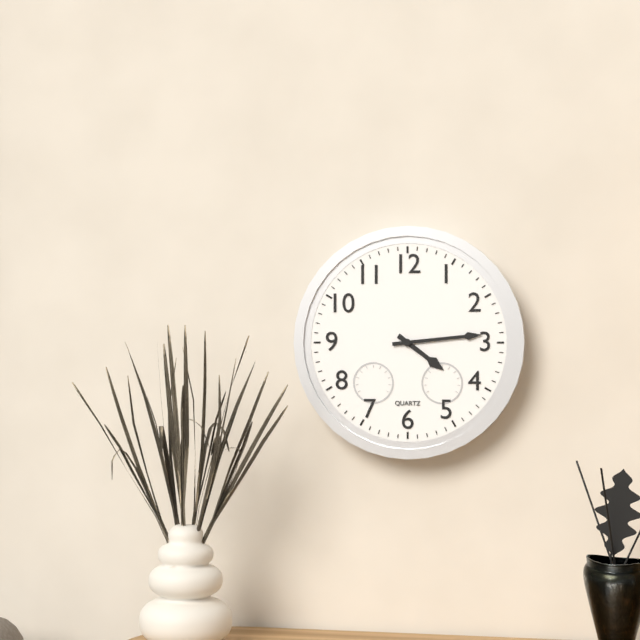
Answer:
4,14
